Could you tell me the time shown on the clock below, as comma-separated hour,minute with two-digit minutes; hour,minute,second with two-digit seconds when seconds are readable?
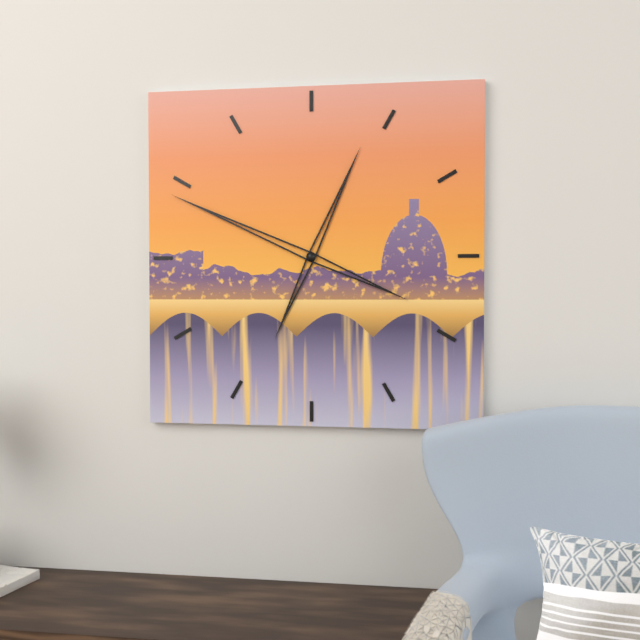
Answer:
12,49
